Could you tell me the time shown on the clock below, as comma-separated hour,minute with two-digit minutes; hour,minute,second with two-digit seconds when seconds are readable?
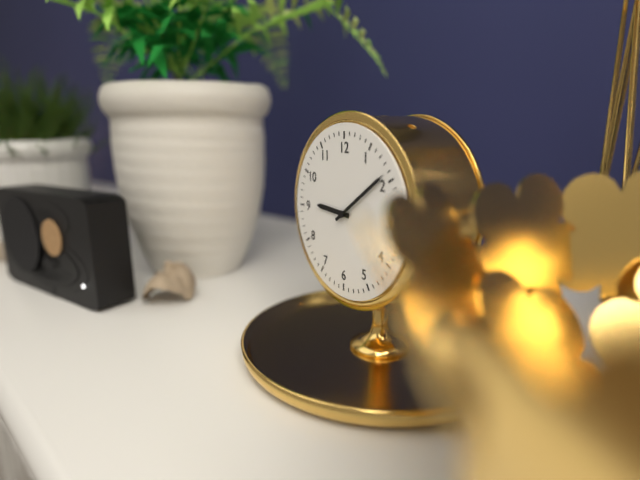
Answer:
9,09
